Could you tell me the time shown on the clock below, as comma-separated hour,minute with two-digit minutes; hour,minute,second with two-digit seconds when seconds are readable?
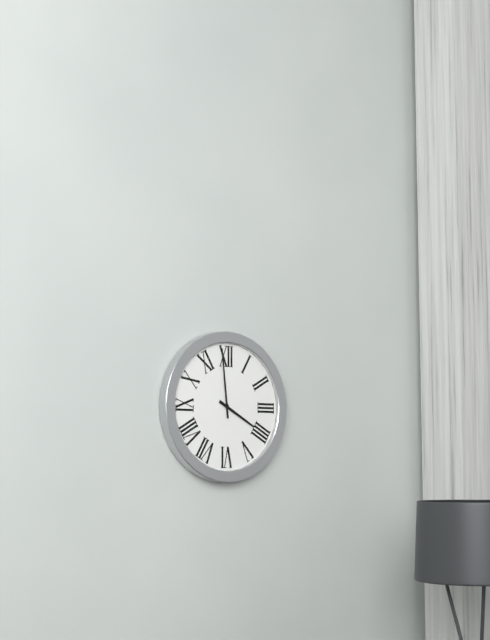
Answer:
3,59
